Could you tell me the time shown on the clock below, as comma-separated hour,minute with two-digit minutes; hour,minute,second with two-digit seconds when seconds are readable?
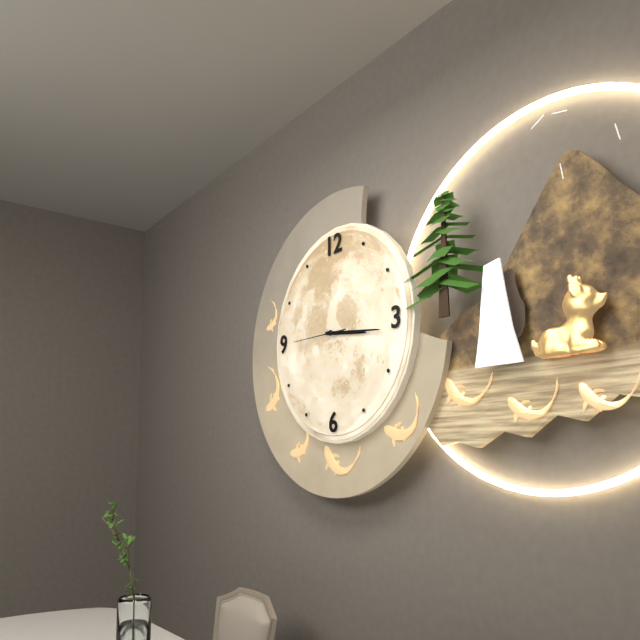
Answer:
3,16,45
